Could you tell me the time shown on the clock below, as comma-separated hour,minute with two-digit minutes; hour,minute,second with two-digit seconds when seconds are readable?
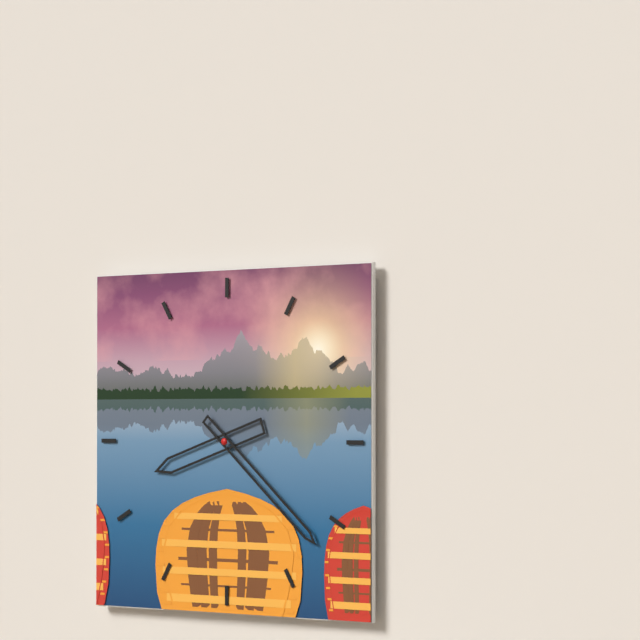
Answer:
8,22
